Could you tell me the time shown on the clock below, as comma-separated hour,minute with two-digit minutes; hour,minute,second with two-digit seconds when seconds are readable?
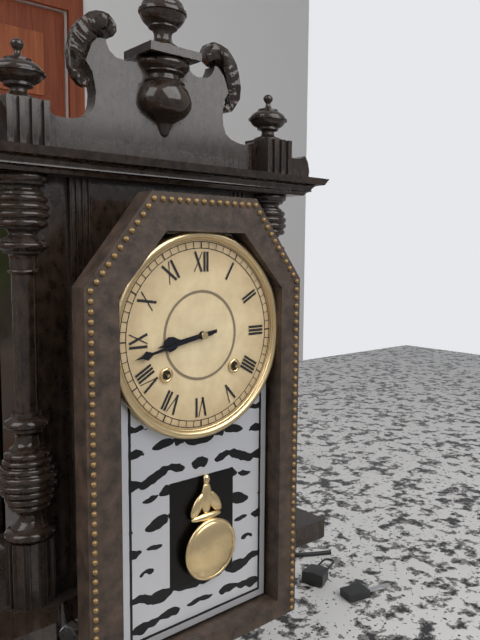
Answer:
8,43
